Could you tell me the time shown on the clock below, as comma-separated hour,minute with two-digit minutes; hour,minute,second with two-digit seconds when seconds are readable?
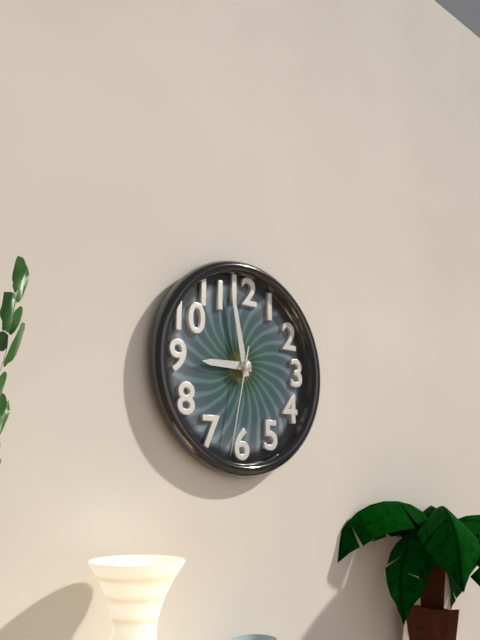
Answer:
8,58,32
